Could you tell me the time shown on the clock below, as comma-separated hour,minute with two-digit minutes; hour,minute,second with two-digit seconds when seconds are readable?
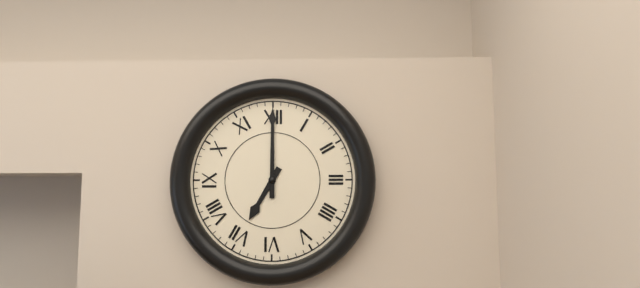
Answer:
7,00
